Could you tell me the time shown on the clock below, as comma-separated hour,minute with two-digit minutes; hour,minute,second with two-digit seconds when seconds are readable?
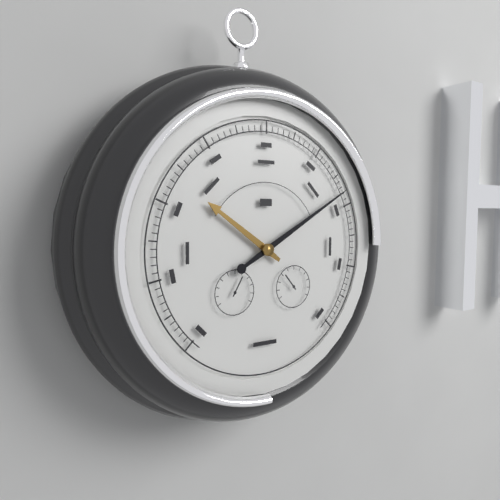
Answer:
10,10
